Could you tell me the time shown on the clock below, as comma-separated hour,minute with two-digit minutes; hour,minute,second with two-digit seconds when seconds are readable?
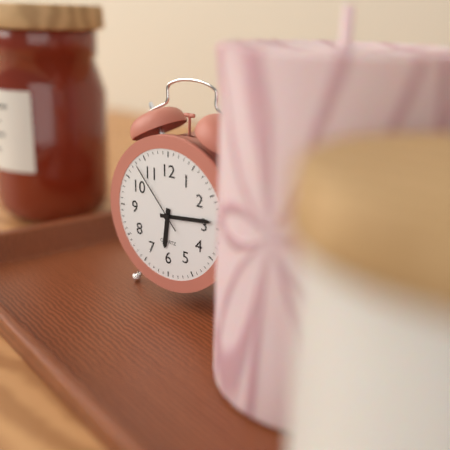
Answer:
6,14,53
